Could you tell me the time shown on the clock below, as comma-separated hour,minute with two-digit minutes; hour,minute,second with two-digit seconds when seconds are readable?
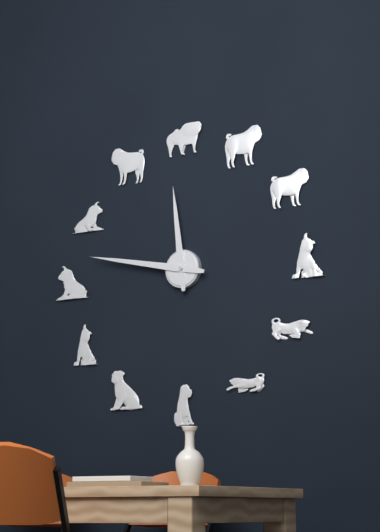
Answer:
11,47
